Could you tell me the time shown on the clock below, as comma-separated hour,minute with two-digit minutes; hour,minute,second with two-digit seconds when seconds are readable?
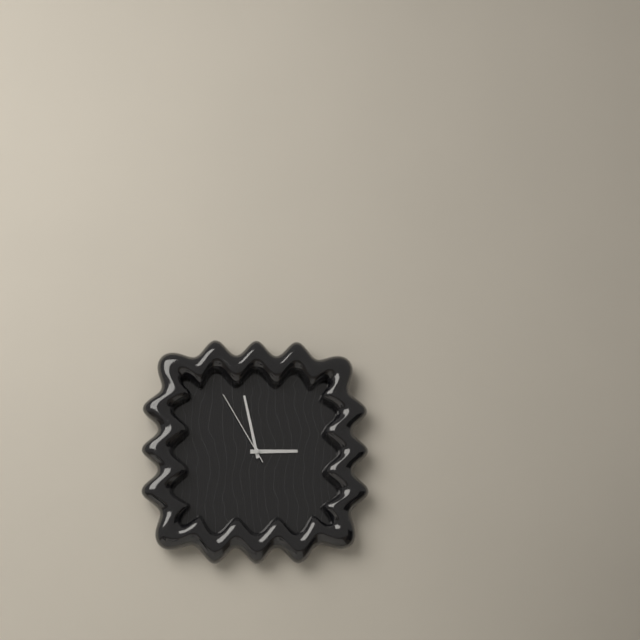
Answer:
2,58,55
